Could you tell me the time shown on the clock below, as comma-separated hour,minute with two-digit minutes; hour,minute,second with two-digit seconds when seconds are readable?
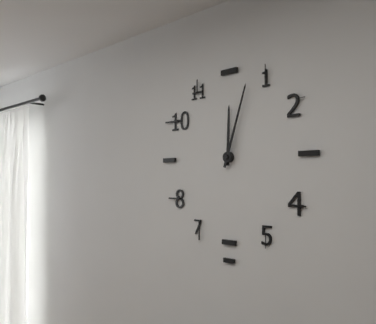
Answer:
12,03
